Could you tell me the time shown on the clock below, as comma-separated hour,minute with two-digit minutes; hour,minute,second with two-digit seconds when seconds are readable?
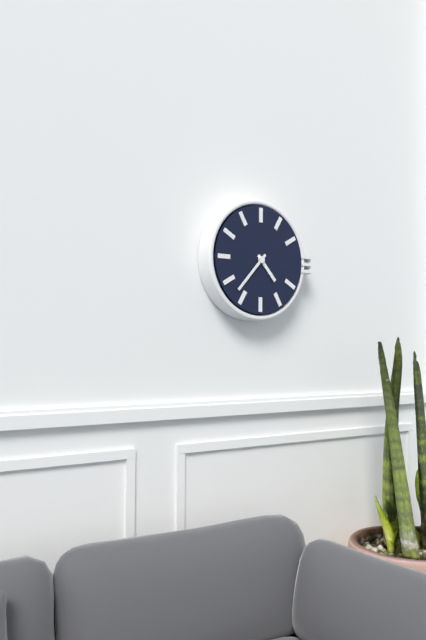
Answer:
4,37
